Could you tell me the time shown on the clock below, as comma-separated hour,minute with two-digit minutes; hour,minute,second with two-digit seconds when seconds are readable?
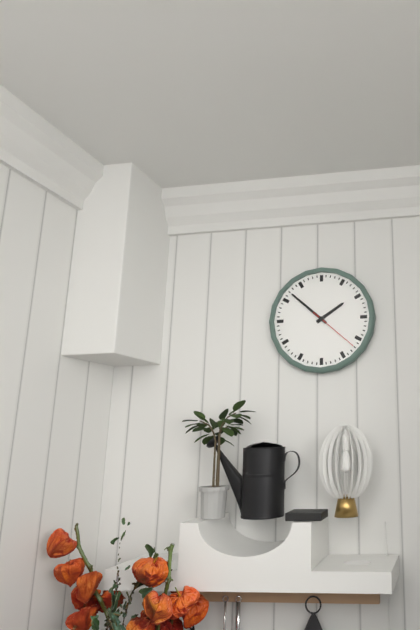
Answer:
1,52,22
